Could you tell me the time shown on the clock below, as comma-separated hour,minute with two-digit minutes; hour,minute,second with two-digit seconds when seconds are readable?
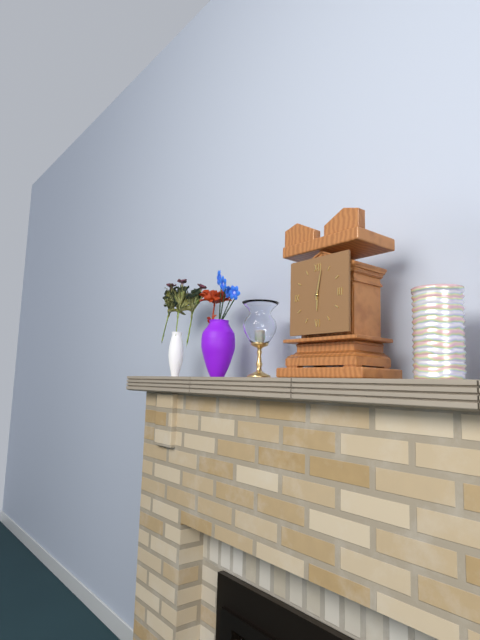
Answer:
6,02
